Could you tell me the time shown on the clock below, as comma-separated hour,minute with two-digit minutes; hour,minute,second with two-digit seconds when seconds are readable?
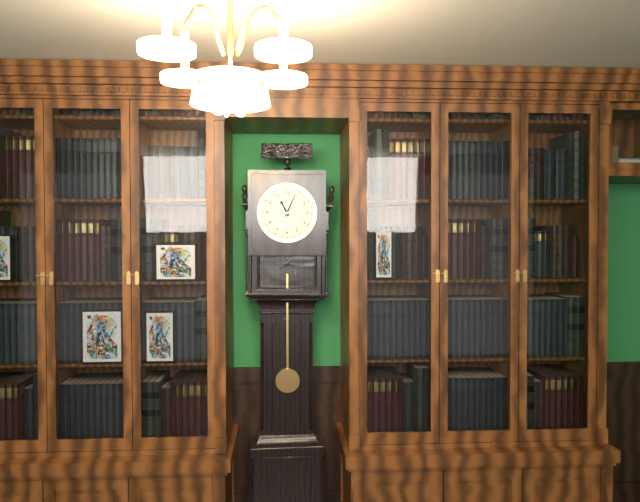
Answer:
11,04
